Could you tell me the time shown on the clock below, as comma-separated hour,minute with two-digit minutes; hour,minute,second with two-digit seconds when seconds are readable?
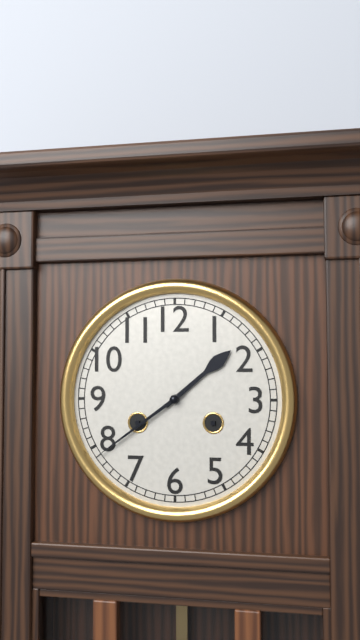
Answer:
1,39
